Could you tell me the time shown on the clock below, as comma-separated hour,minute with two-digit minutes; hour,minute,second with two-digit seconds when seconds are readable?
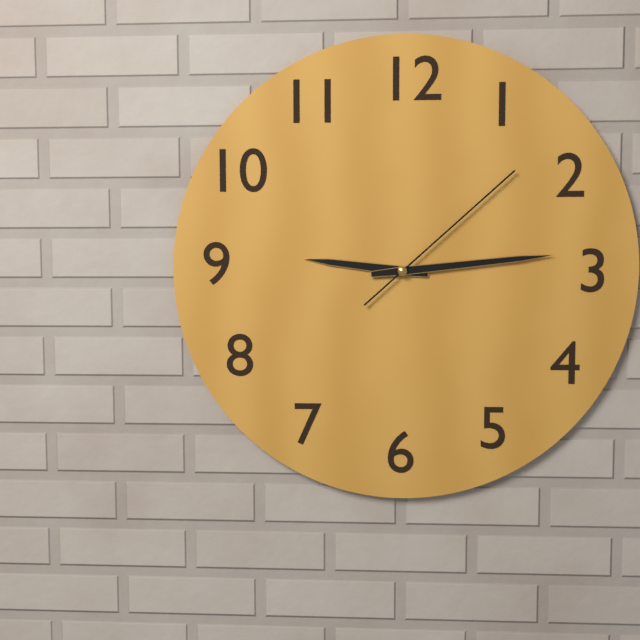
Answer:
9,14,08
